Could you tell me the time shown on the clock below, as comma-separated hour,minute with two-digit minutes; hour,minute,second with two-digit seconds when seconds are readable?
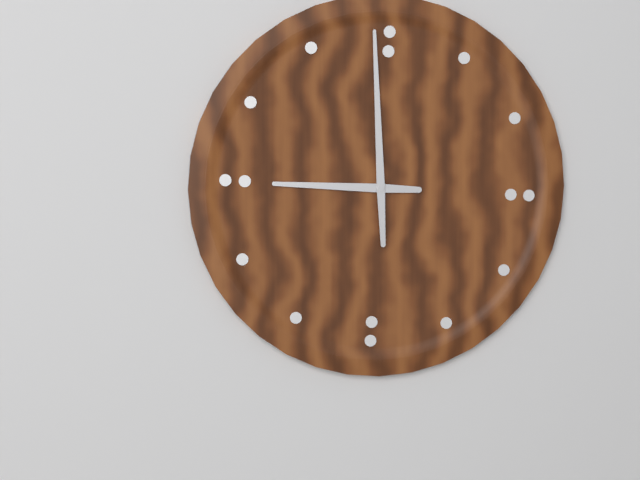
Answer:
8,59
